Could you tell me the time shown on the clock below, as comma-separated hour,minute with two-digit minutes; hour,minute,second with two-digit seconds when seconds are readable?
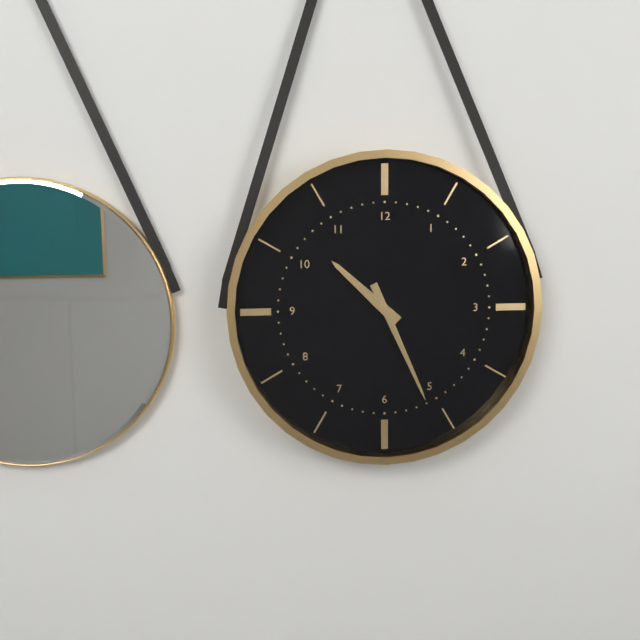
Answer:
10,26
